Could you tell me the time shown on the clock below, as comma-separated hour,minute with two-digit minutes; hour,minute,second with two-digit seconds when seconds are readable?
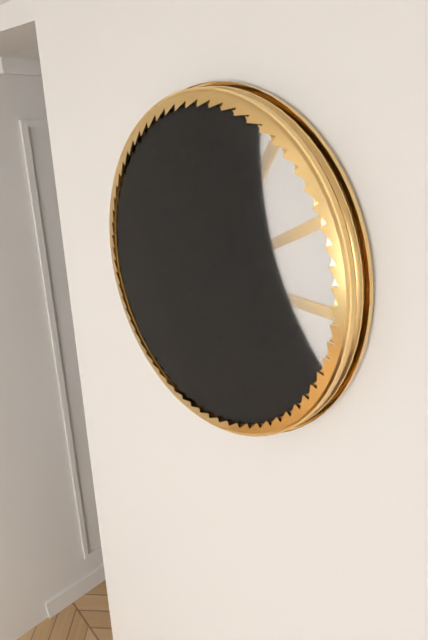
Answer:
10,24
